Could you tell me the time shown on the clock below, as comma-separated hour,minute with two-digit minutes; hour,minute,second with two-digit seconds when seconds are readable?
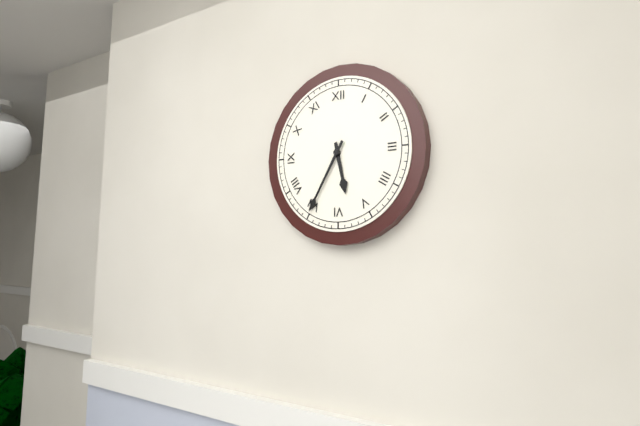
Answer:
5,35
